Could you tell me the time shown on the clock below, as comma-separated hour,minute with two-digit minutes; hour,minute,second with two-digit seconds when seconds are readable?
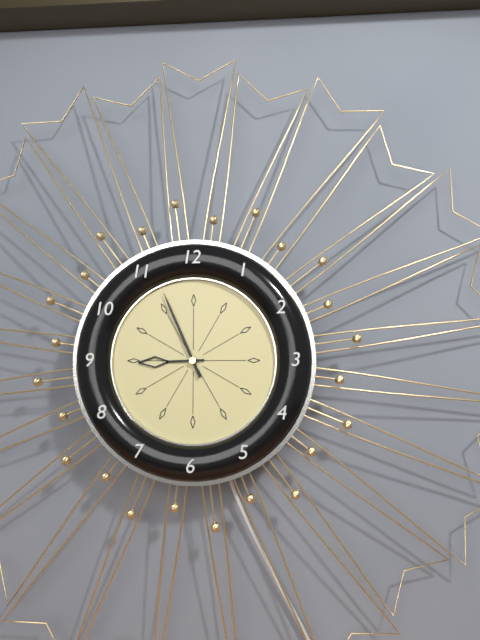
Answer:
8,56
